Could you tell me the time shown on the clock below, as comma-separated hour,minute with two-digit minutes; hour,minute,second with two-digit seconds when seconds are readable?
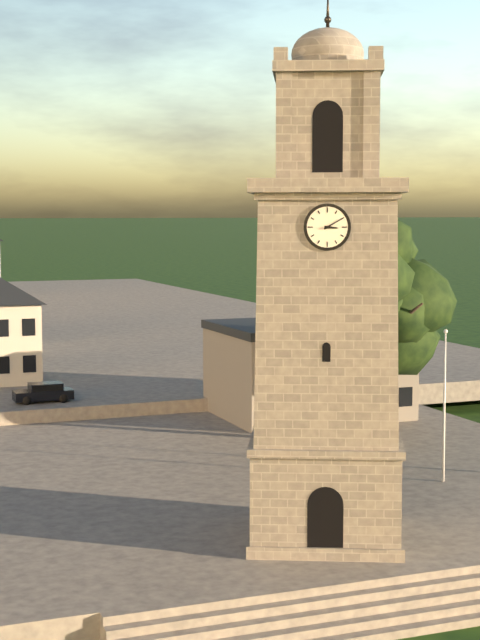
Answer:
3,10
